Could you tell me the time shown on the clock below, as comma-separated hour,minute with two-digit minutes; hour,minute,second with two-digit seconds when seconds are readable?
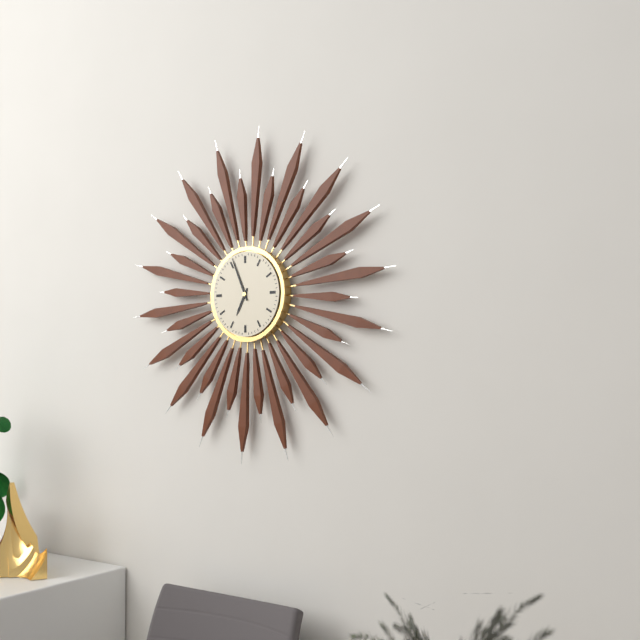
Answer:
6,56
